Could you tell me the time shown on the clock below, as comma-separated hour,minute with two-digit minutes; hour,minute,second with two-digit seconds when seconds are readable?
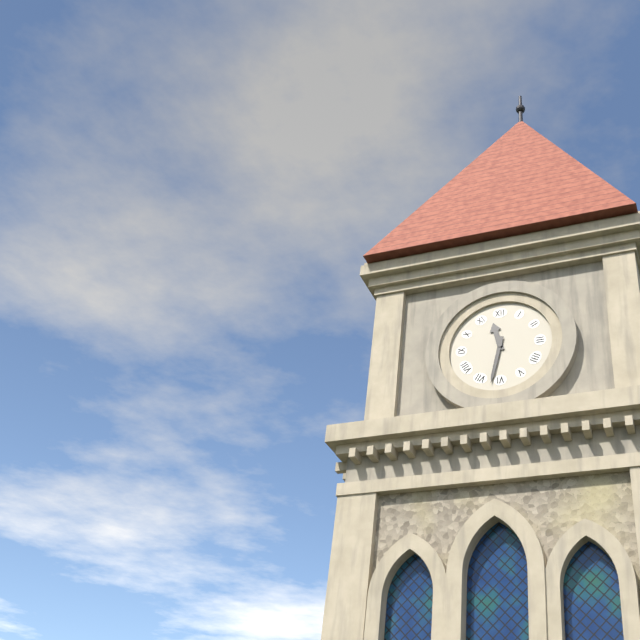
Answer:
11,32
